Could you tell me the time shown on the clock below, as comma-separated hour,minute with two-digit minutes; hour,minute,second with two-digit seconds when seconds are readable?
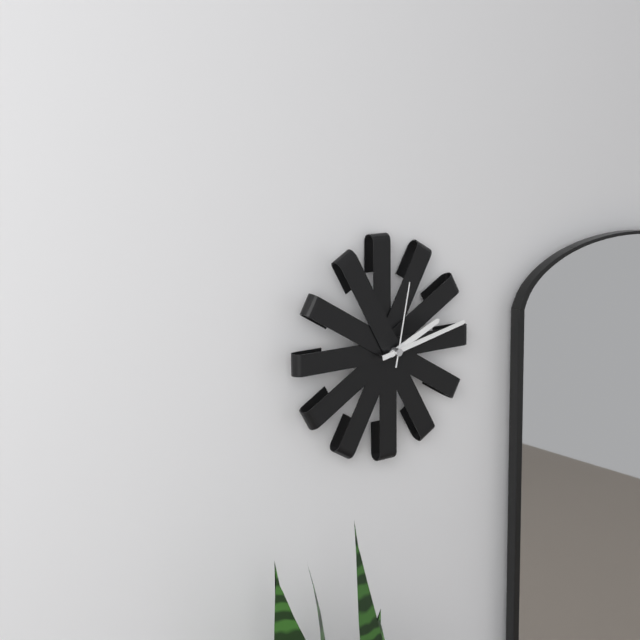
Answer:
2,13,02
